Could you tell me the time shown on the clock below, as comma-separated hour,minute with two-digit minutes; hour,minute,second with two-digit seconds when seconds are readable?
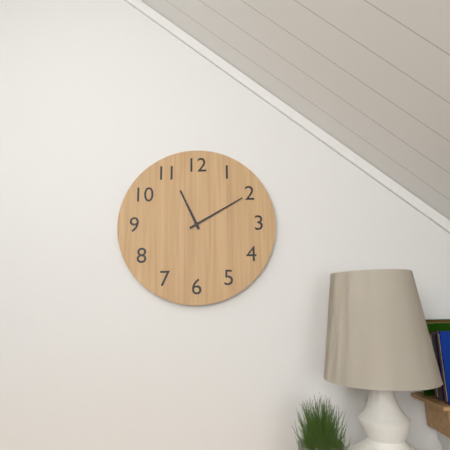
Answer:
11,10
